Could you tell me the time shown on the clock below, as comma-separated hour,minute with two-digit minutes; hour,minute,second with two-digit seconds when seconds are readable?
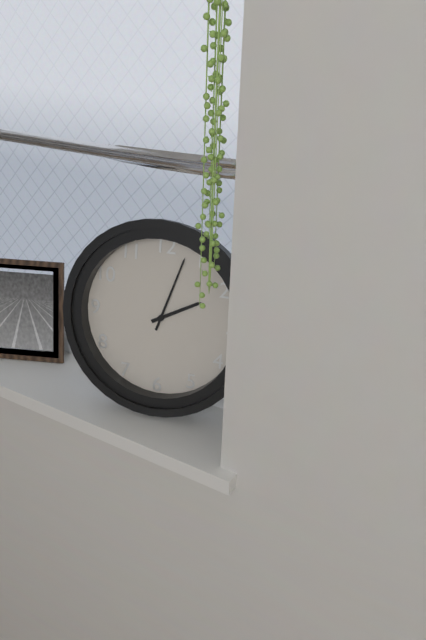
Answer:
2,03
